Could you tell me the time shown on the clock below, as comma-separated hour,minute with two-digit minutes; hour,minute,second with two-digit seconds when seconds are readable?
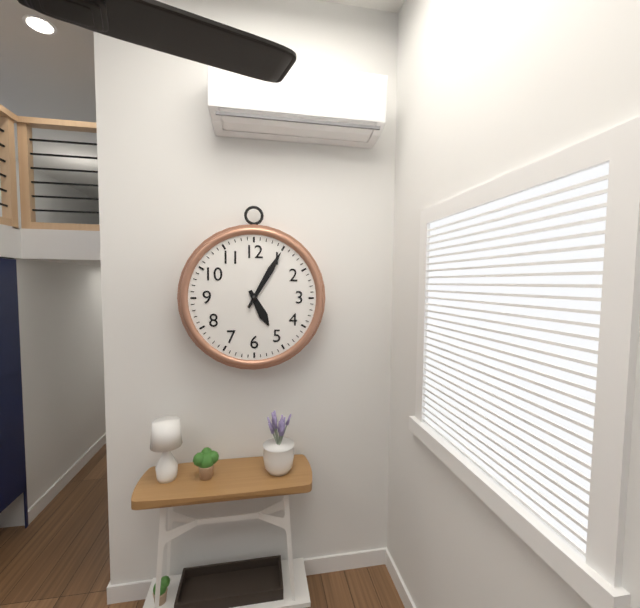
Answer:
5,05
